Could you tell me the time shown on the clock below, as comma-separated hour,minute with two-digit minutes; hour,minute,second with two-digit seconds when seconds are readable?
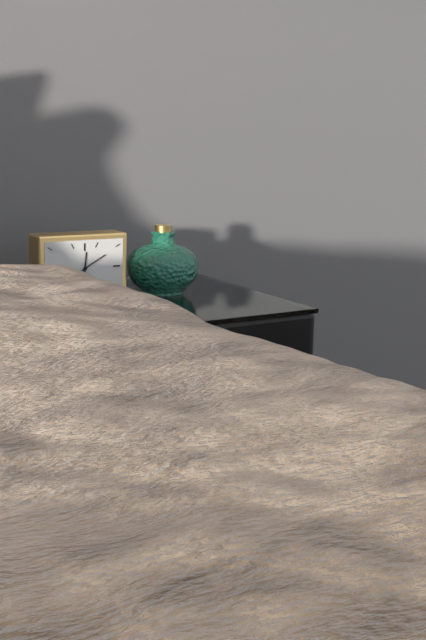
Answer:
12,10
